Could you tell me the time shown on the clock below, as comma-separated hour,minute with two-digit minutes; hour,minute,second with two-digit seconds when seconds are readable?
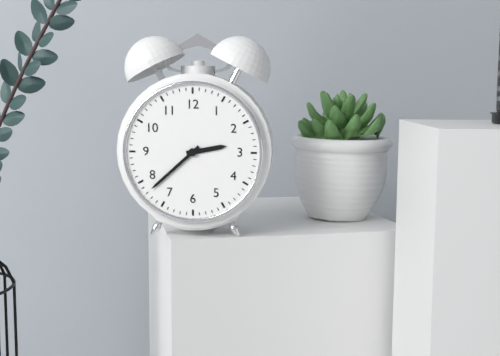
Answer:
2,38
